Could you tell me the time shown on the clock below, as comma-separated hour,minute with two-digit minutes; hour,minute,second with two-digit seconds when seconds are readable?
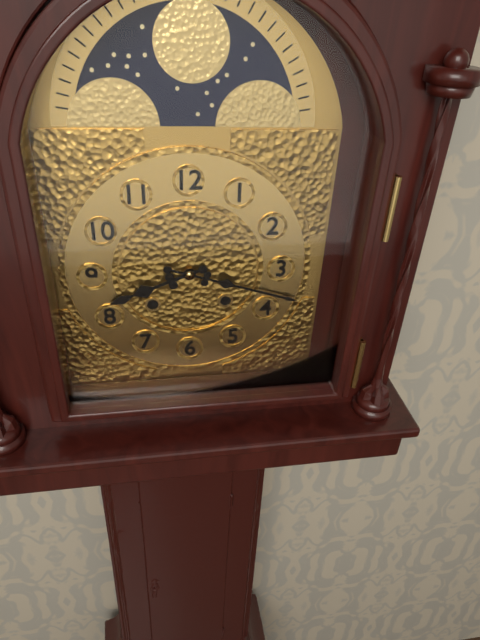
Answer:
8,18
